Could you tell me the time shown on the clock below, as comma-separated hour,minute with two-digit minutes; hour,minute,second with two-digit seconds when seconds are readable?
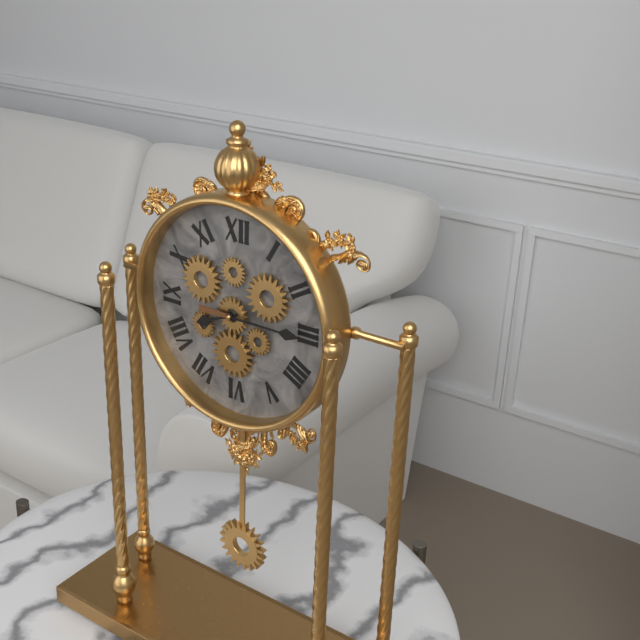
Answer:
8,15
